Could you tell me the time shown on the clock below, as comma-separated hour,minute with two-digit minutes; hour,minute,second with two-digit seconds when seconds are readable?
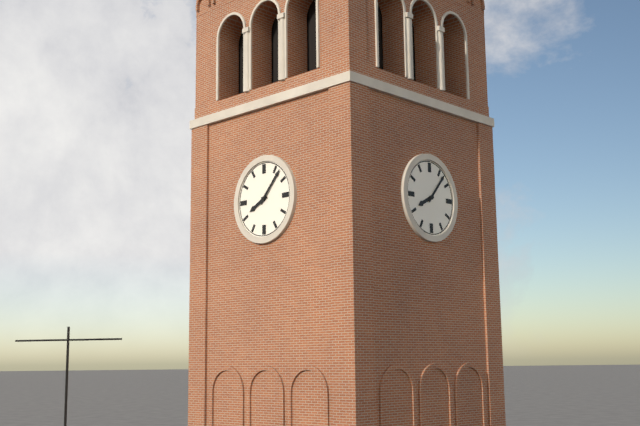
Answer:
8,07
